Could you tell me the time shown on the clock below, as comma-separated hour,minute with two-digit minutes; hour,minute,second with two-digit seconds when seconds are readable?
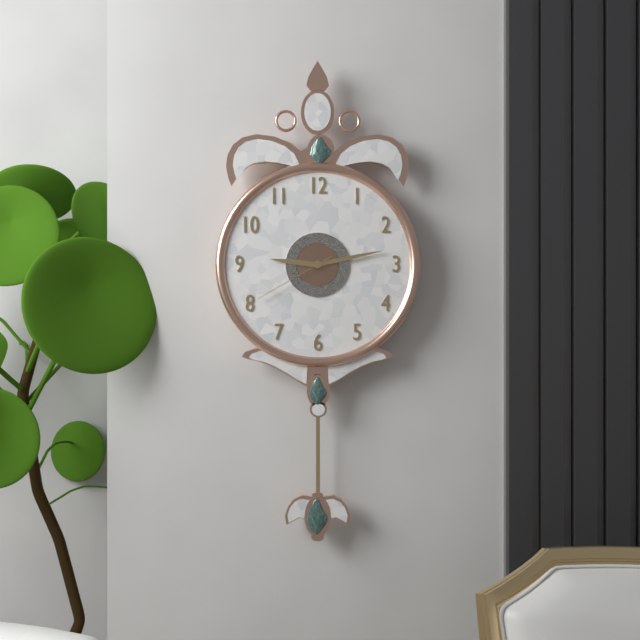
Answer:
9,13,40
